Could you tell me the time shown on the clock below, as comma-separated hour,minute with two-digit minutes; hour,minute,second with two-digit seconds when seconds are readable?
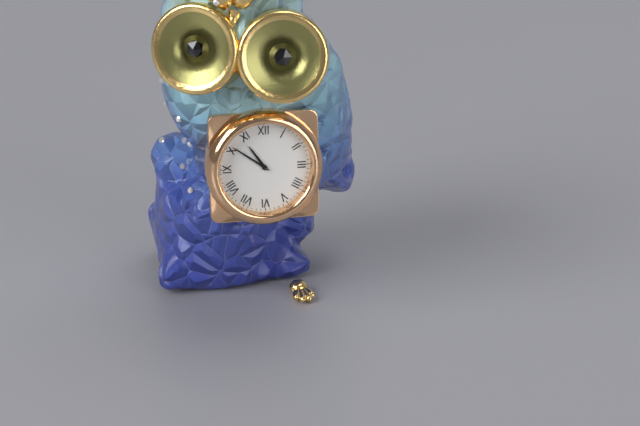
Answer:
10,51
